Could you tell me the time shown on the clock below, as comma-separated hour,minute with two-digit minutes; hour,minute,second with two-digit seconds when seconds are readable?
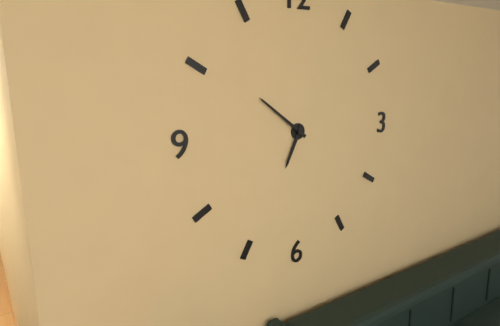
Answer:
6,51
